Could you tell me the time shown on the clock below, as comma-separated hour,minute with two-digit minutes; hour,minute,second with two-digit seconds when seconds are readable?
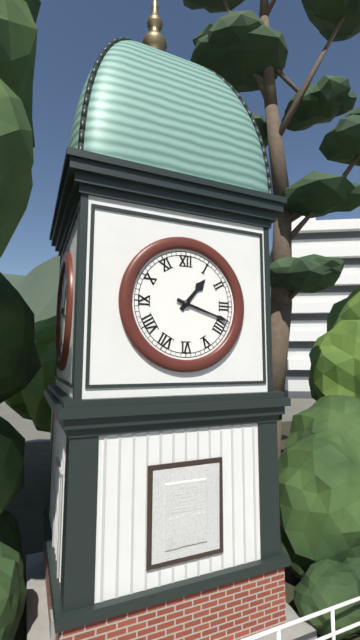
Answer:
1,18
